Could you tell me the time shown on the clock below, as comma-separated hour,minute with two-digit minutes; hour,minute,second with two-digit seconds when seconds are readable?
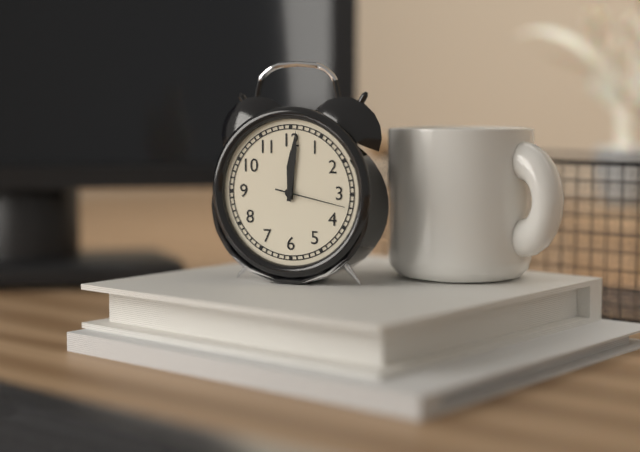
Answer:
12,01,17
